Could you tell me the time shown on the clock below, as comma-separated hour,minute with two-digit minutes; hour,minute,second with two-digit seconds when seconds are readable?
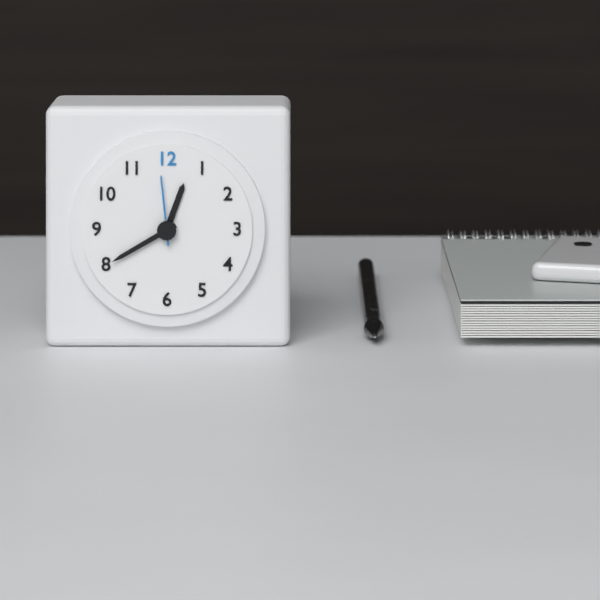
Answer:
12,40,59
